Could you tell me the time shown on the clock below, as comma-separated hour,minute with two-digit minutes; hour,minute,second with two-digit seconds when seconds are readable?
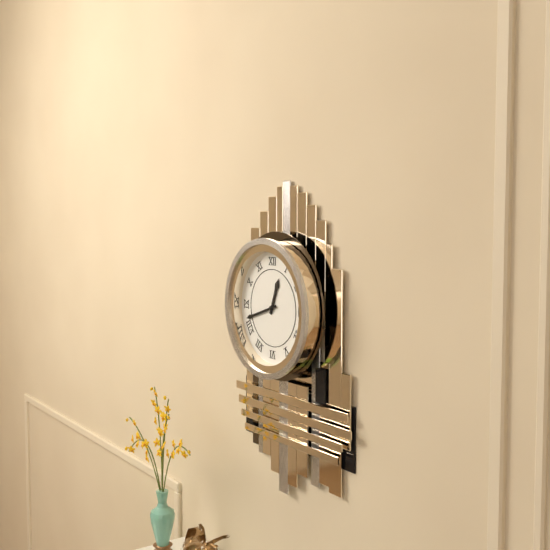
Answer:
12,42
